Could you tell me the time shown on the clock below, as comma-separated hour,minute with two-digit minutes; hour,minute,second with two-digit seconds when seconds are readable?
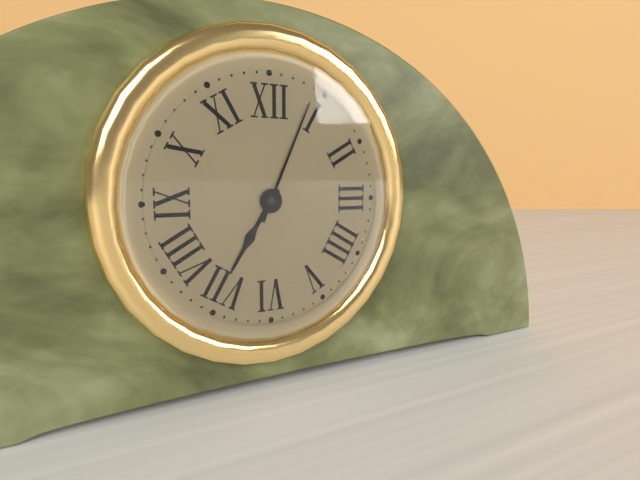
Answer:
7,04
